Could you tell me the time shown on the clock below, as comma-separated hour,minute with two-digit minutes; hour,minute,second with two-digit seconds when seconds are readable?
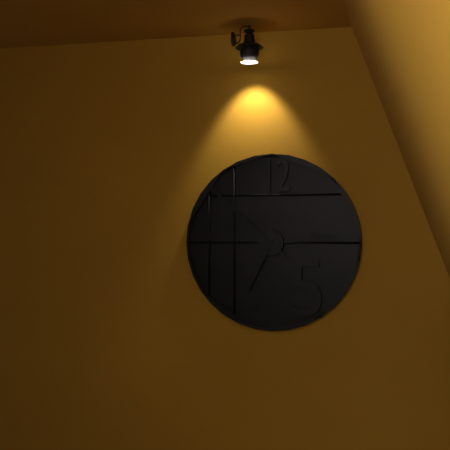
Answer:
6,52
